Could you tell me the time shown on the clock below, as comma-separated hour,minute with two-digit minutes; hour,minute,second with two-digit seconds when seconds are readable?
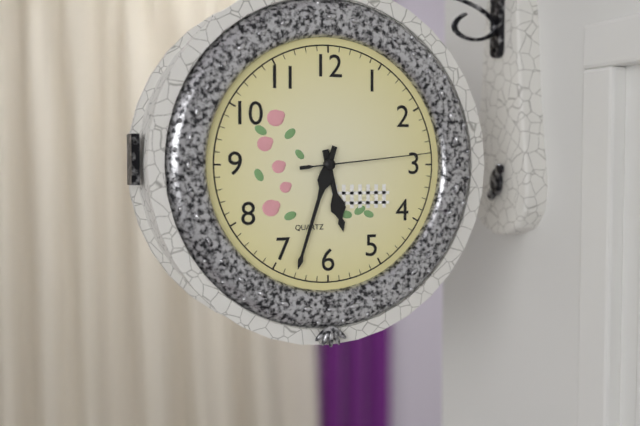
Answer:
5,33,14
